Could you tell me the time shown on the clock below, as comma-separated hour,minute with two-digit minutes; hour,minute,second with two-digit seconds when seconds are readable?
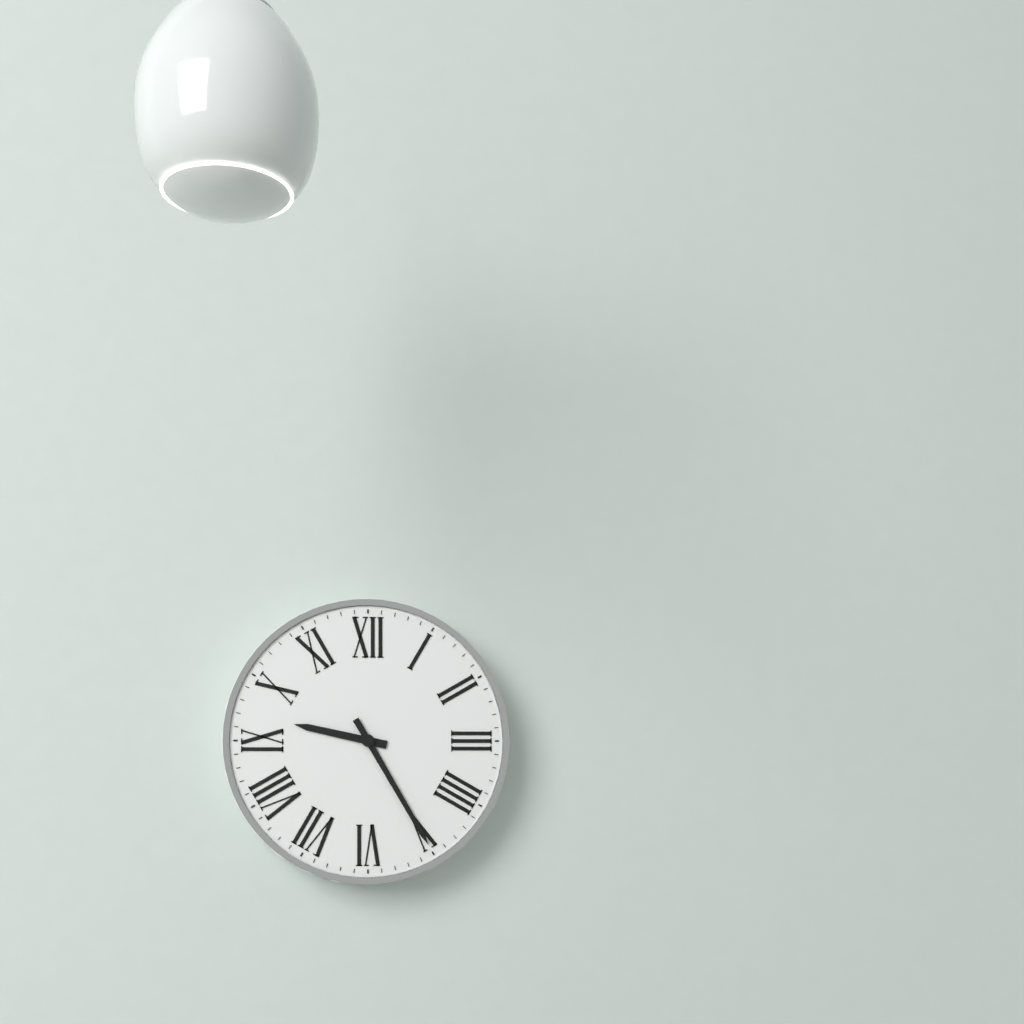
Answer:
9,25
